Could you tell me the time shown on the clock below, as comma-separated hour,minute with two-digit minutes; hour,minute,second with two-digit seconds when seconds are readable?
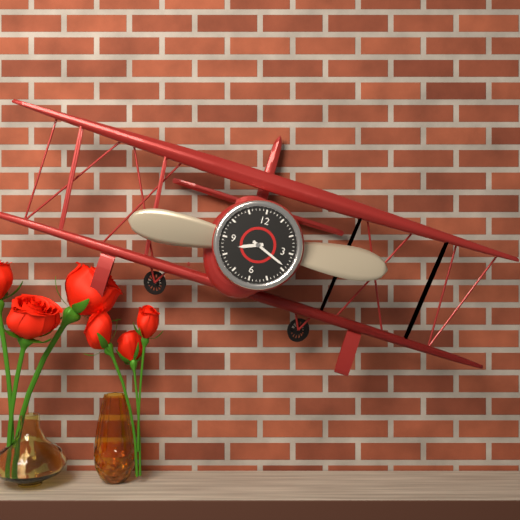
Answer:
8,19
